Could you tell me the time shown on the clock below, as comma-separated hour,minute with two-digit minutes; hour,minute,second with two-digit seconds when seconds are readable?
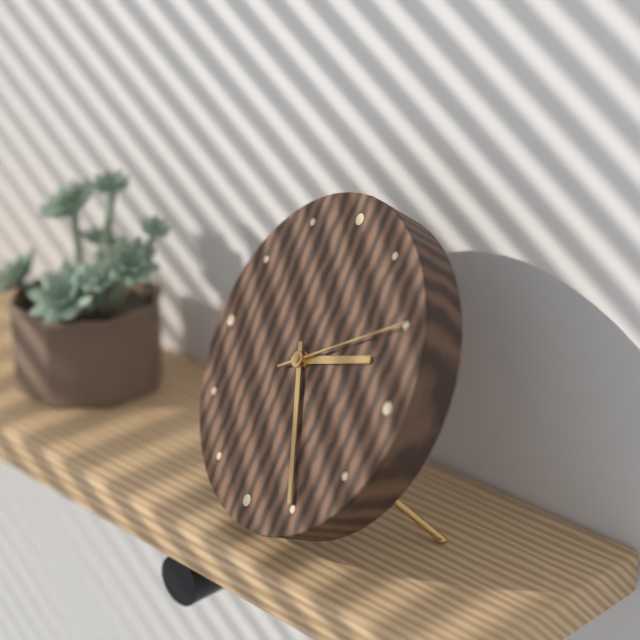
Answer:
2,25,10
